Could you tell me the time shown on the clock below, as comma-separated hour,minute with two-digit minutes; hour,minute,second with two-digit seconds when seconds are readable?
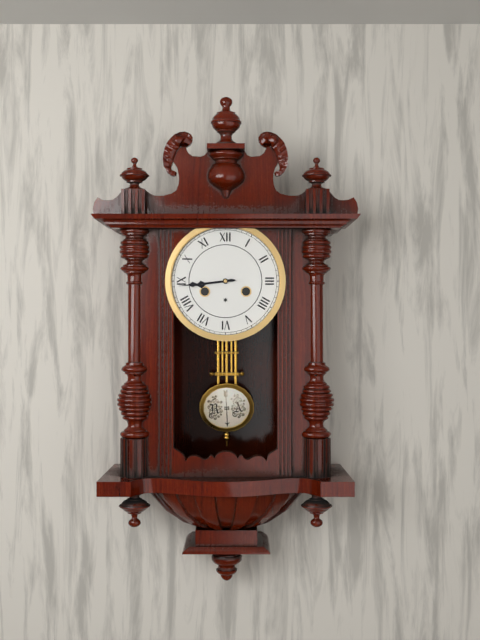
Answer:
8,44
